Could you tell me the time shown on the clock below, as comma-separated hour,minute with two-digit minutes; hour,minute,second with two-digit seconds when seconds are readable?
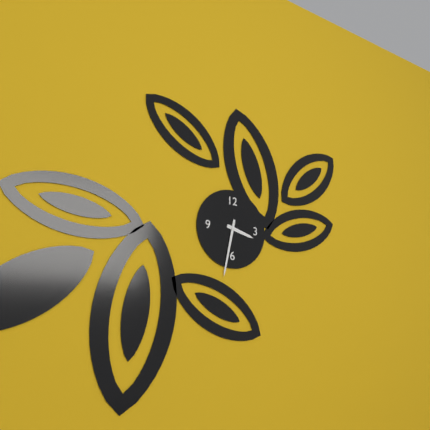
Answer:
3,32
